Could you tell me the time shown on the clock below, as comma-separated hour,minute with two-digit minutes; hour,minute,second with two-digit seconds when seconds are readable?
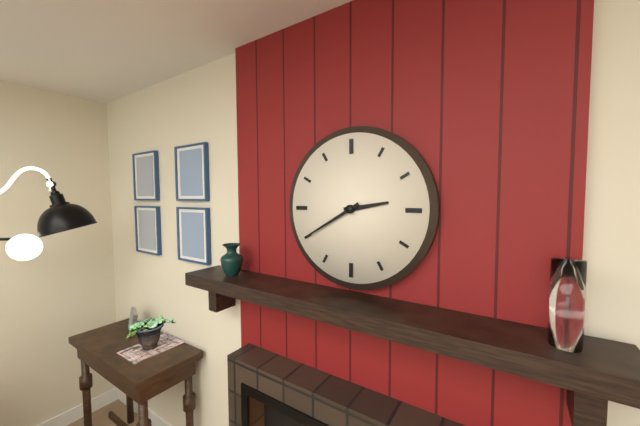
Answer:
2,40
